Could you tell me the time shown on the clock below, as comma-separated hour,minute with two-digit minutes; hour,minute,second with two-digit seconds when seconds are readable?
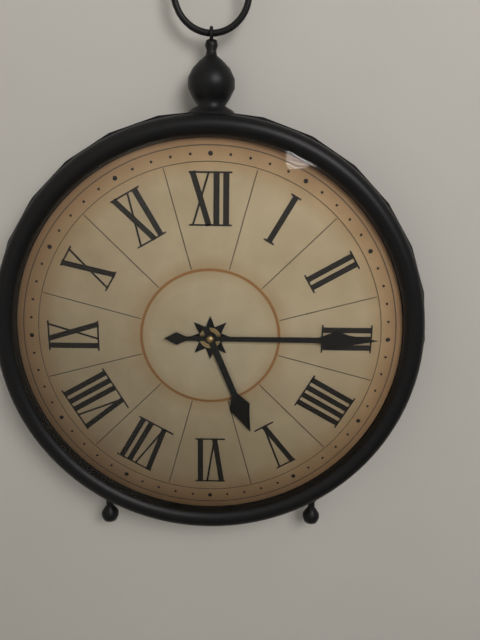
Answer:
5,15
